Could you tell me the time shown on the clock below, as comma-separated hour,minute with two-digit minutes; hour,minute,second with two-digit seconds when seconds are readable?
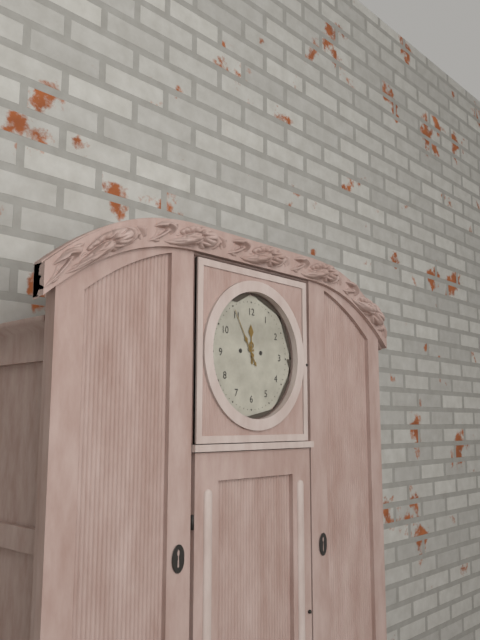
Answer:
11,55
